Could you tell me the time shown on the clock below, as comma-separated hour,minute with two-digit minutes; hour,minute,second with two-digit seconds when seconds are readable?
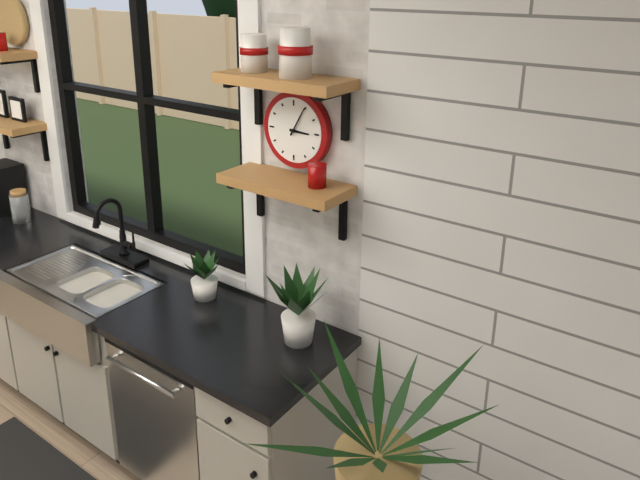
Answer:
3,05
